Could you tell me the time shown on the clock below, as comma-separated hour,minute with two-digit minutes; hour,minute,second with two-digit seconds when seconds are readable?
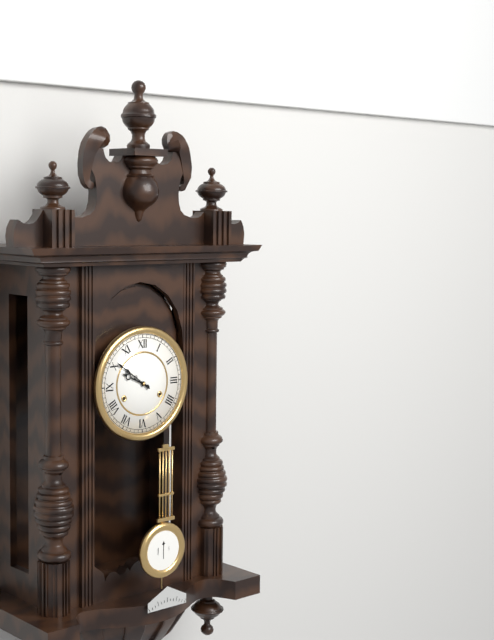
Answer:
9,51
